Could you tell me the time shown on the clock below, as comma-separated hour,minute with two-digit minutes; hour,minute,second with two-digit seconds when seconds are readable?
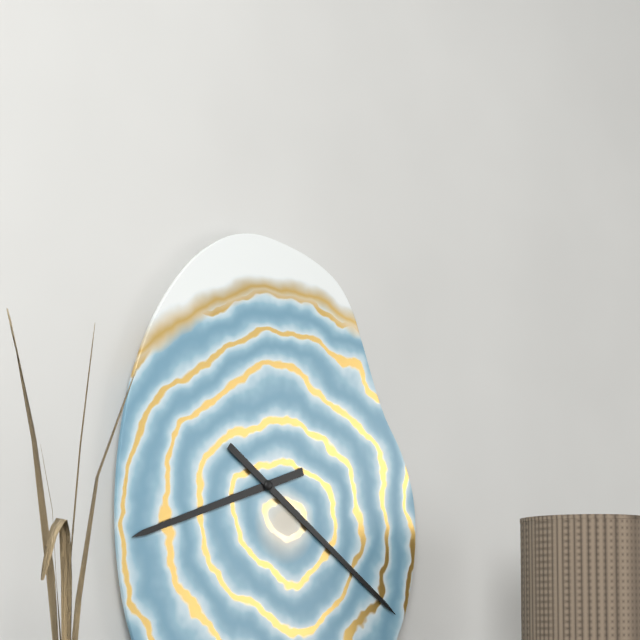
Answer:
8,21
